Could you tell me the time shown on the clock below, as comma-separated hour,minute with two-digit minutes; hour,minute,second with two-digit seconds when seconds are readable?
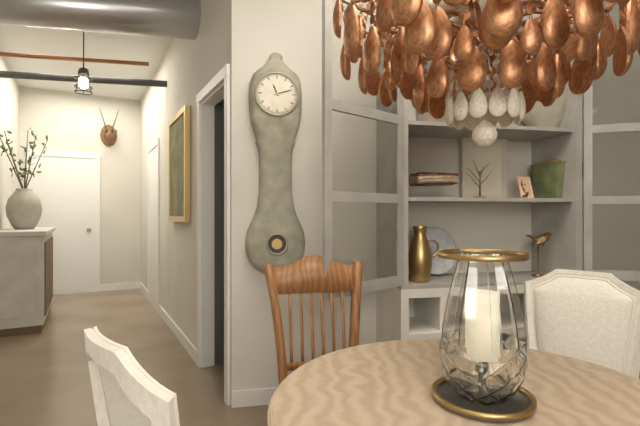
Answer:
11,12
